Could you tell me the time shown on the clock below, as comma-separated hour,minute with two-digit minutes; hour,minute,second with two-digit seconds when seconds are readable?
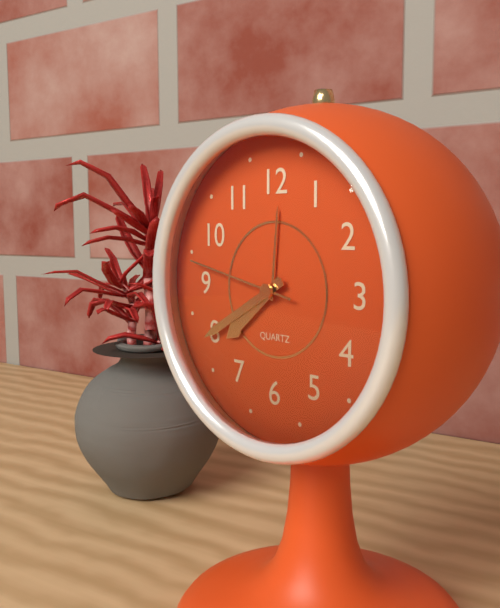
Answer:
7,40,47
